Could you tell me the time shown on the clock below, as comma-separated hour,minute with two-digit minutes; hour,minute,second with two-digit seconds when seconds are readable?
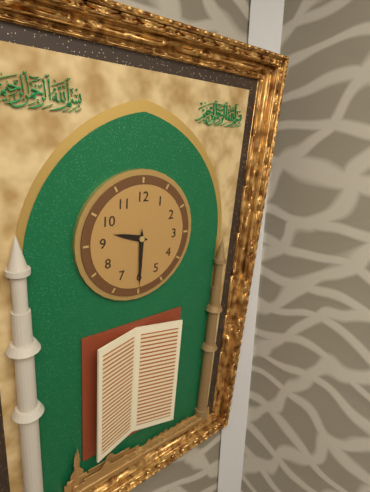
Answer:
9,30
